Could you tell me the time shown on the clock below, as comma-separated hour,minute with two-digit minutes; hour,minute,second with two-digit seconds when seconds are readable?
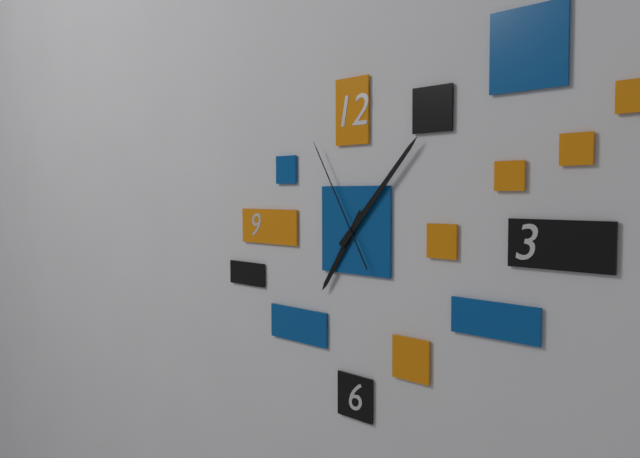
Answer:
7,07,55
